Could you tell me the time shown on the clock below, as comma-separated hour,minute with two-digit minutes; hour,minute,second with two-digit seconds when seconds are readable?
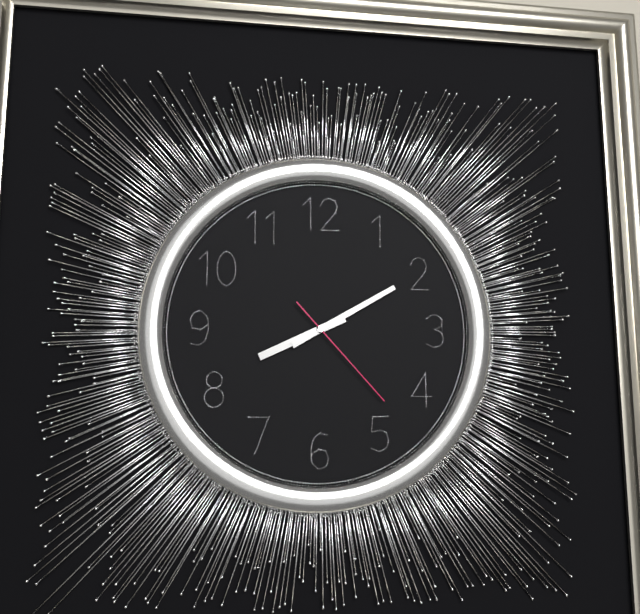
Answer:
8,10,23
